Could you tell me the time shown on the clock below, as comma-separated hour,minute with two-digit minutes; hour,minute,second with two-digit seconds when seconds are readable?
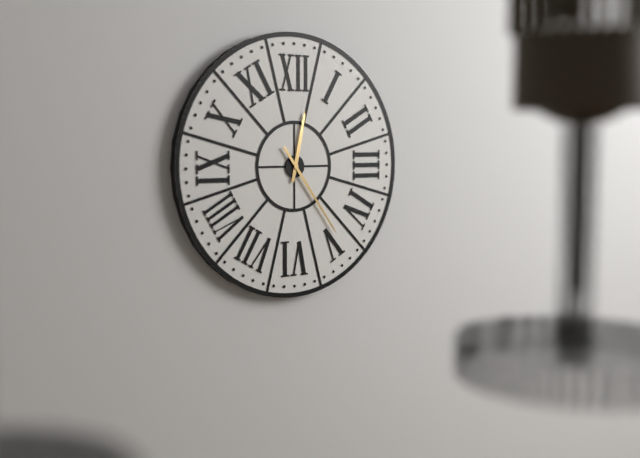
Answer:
12,24
